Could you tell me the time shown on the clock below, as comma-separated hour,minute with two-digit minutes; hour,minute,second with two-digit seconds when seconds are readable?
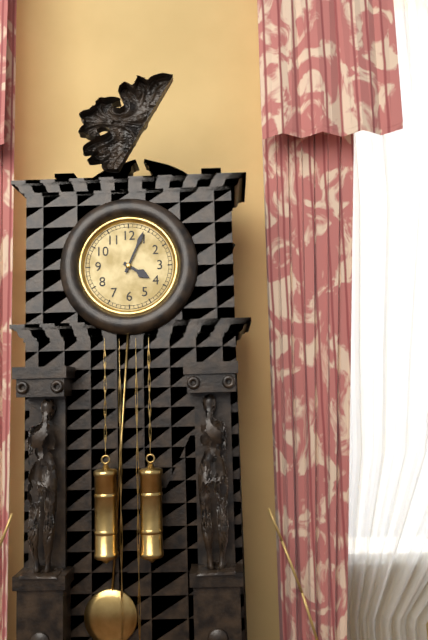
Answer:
4,04
